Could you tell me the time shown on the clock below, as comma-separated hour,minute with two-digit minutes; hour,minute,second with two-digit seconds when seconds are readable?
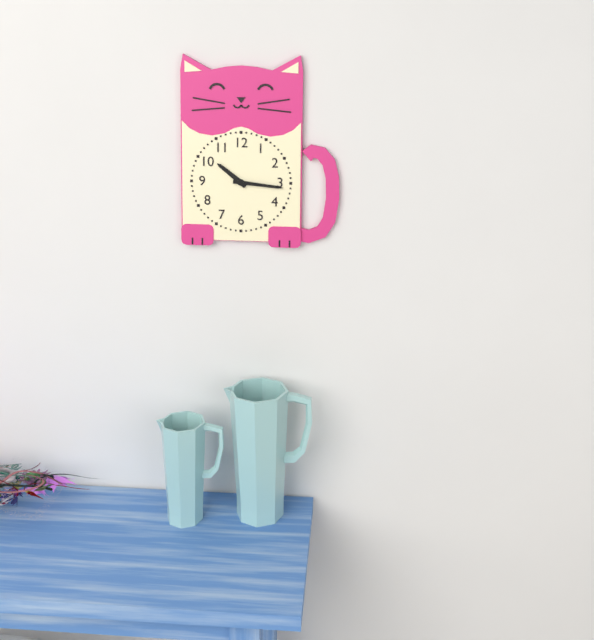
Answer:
10,16
